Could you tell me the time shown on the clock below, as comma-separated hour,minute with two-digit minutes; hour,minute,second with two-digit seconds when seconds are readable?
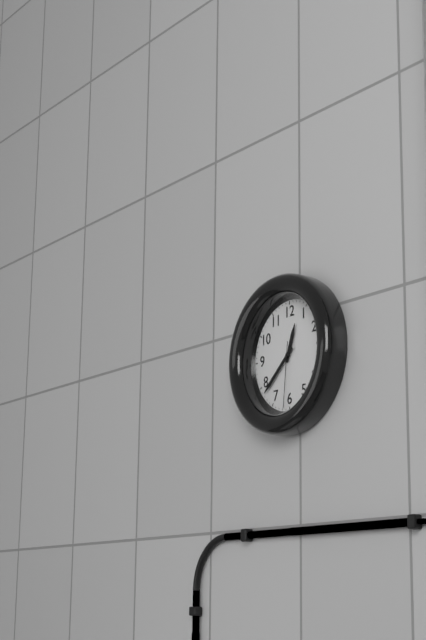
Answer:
12,38,31
